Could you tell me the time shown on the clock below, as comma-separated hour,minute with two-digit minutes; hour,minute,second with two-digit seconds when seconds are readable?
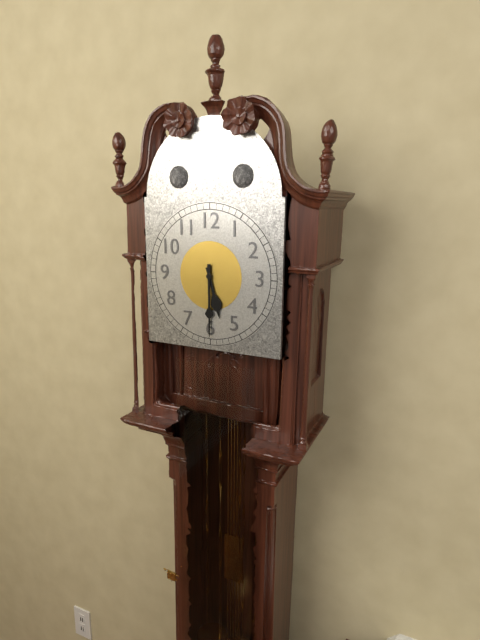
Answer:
5,30
